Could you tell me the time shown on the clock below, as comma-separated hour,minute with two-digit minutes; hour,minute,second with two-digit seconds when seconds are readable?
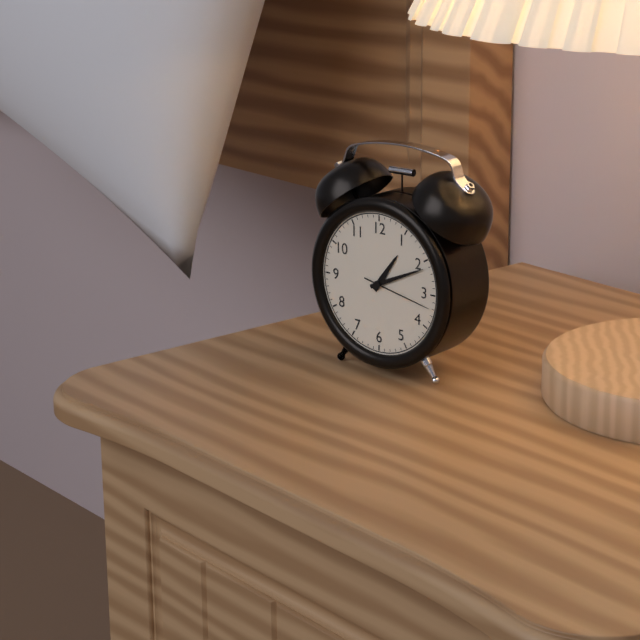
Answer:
1,11,17
